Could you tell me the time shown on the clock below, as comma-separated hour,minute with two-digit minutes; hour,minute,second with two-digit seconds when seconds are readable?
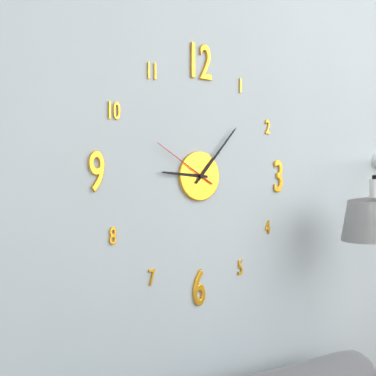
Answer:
9,07,50
